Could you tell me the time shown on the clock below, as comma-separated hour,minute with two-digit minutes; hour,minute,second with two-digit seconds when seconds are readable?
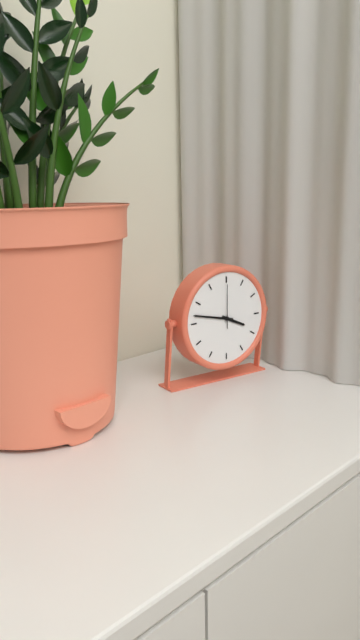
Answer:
3,47
